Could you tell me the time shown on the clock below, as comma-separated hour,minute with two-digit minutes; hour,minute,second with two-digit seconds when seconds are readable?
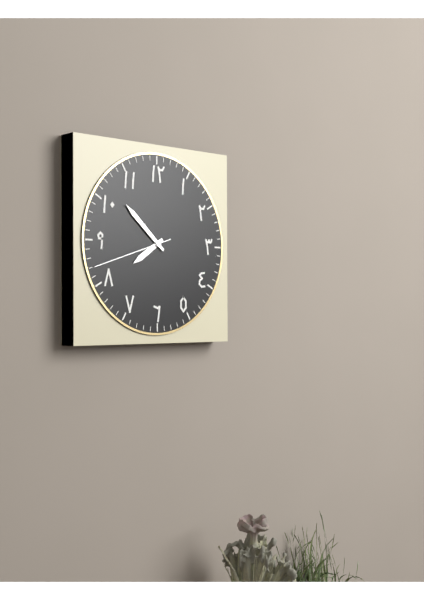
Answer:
7,52,42
